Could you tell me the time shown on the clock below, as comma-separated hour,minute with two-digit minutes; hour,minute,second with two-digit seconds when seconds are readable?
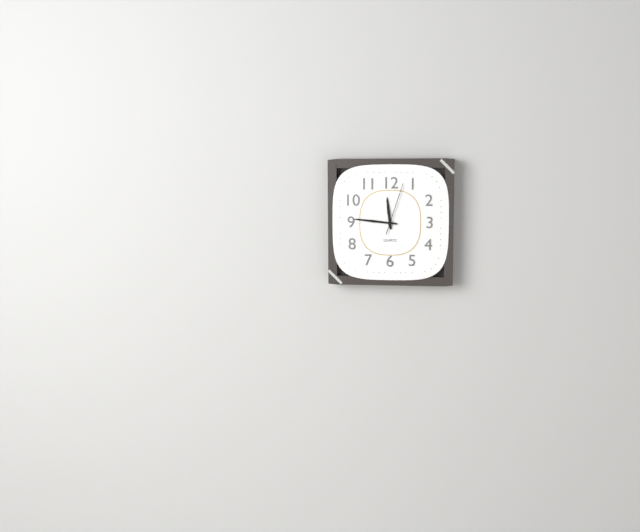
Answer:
11,46,03
